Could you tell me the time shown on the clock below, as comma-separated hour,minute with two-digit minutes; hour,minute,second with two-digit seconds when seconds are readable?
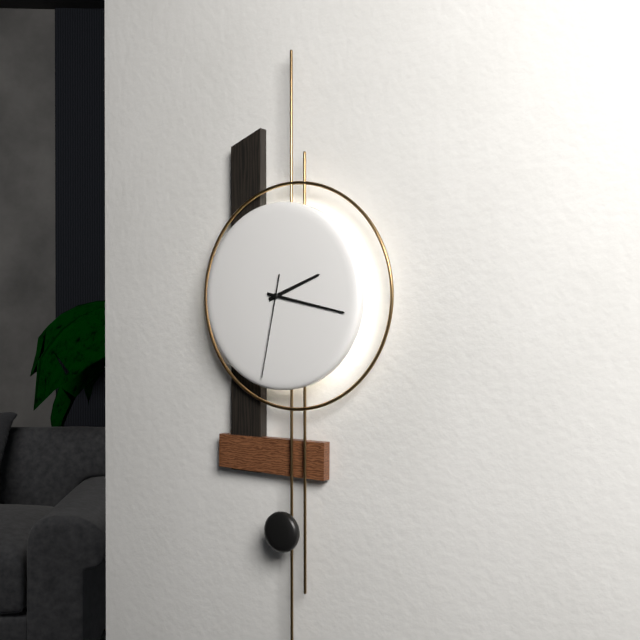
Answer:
2,17,32
